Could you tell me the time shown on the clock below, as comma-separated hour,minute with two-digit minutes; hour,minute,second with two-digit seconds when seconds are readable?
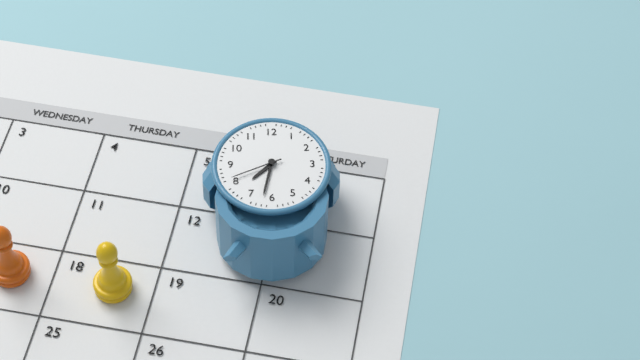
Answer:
7,32,41
